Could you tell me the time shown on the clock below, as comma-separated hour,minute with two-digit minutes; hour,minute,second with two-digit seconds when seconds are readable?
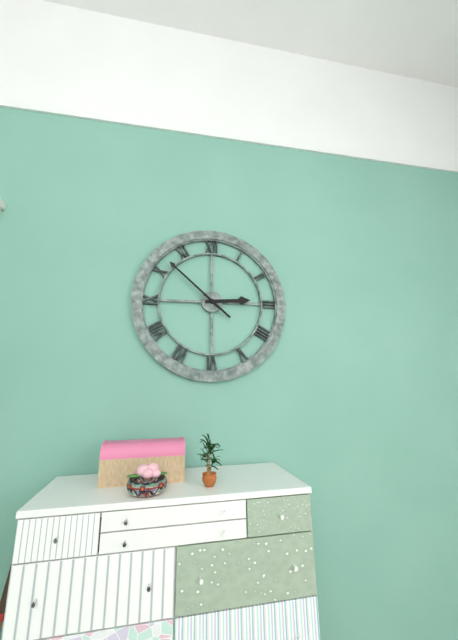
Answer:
2,52
